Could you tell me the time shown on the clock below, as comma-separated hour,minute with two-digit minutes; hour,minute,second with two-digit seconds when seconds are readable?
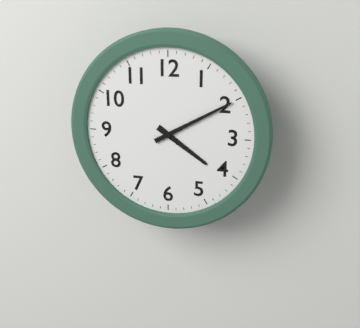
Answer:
4,10
